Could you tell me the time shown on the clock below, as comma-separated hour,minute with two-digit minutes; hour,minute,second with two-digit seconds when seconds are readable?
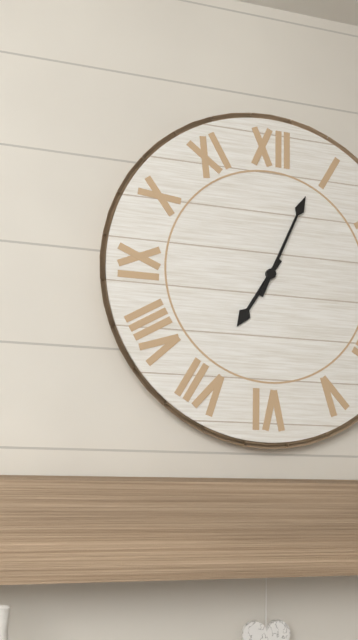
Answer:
7,04
